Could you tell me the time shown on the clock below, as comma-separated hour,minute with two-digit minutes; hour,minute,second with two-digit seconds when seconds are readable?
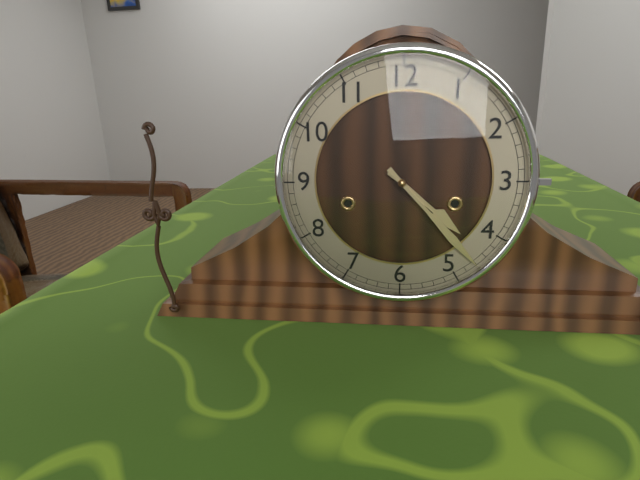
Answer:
4,23
